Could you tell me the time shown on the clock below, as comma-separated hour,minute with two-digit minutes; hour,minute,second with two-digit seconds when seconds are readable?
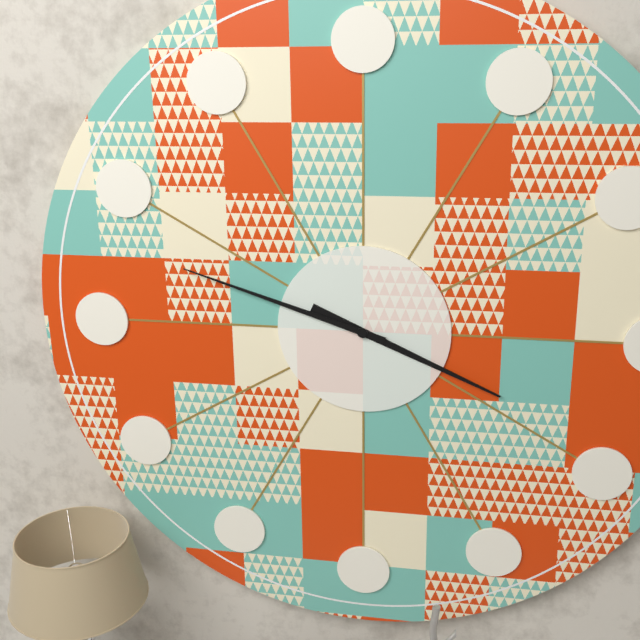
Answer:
3,48
